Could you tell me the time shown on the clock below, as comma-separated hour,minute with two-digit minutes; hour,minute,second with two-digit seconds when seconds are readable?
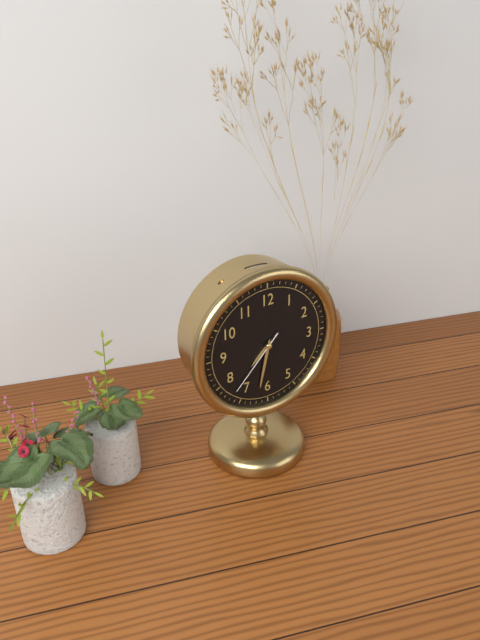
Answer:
7,32,37
